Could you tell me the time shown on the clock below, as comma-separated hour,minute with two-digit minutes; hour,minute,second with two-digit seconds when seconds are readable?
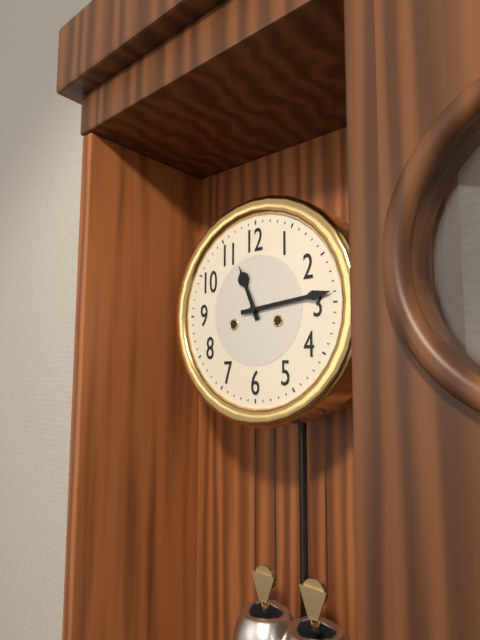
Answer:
11,14
